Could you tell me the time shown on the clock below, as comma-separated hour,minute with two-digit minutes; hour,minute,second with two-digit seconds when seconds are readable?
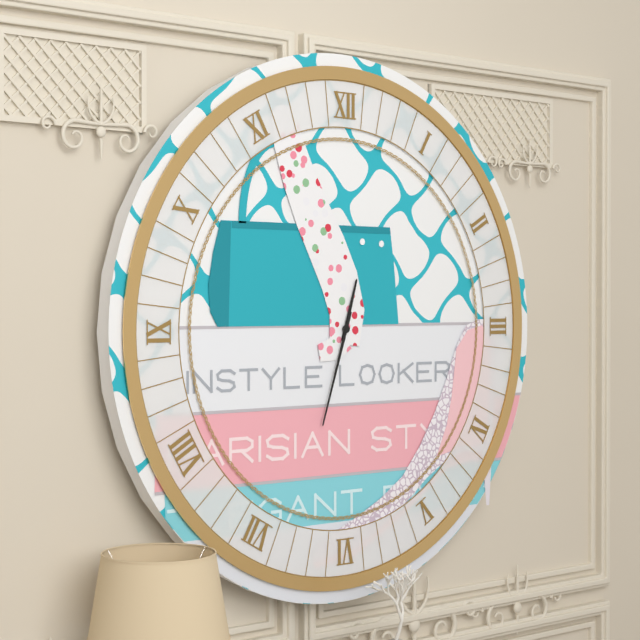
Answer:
12,33
